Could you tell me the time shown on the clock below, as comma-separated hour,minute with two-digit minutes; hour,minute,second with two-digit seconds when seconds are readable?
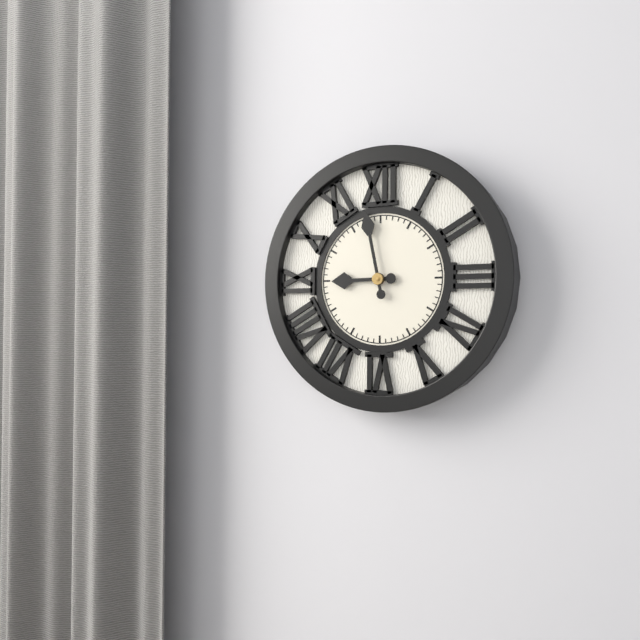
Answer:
8,58
